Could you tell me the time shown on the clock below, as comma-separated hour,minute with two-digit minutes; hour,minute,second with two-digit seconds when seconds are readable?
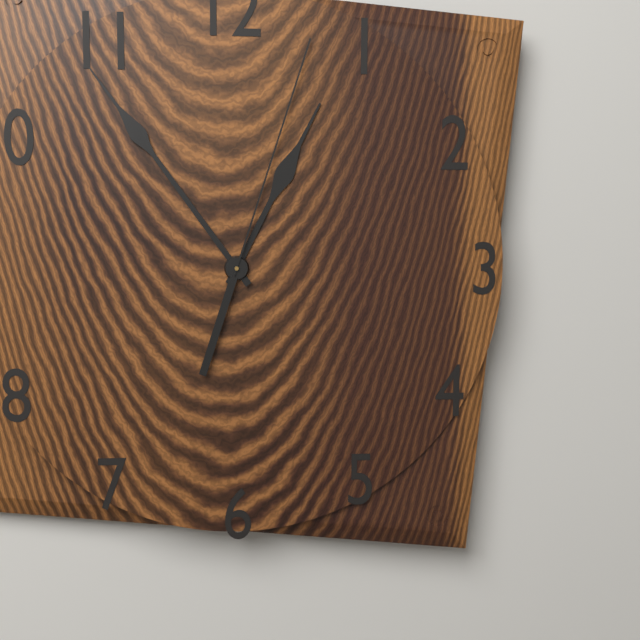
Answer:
12,54,03
